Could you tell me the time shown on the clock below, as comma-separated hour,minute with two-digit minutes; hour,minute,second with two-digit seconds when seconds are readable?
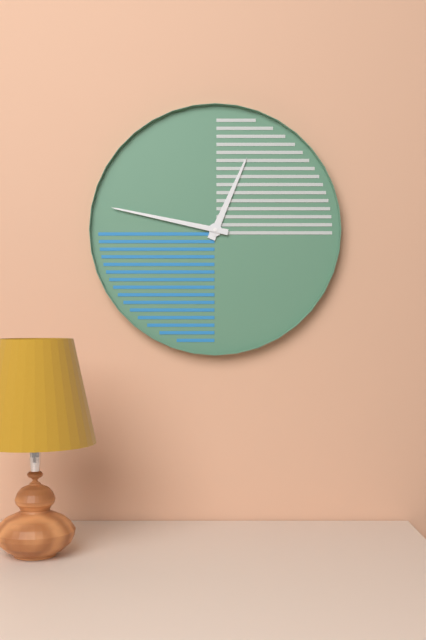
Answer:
12,47
